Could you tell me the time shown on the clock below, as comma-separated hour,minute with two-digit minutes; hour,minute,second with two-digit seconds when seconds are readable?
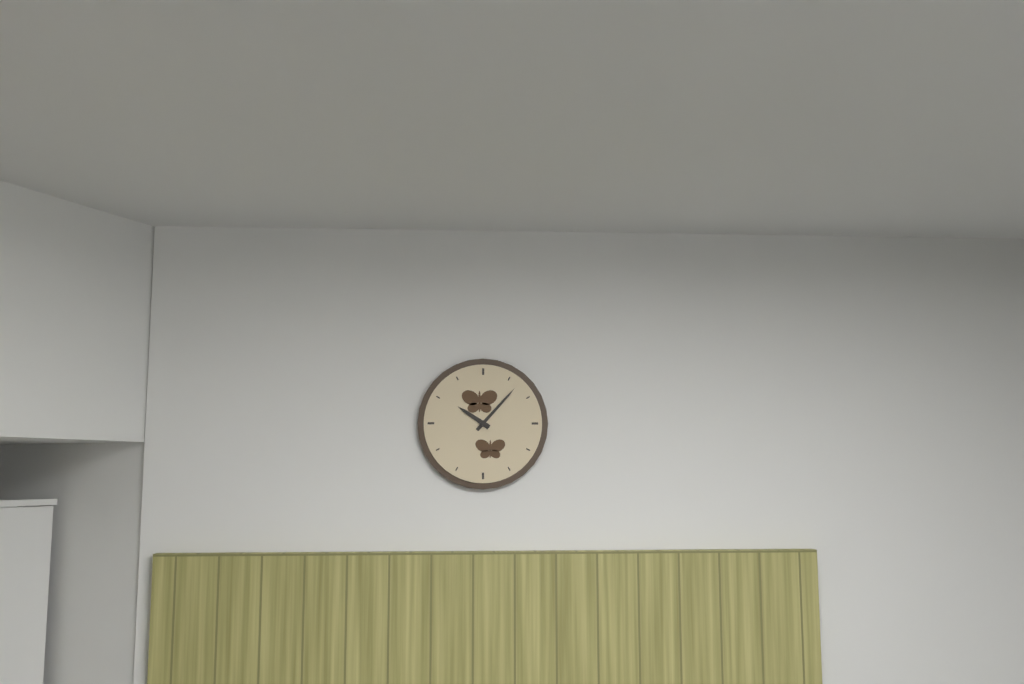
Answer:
10,07
